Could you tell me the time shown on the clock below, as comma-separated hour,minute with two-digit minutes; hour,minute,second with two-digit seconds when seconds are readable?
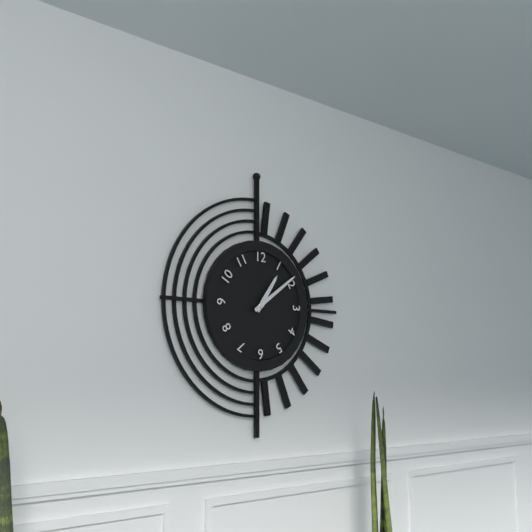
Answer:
1,09
